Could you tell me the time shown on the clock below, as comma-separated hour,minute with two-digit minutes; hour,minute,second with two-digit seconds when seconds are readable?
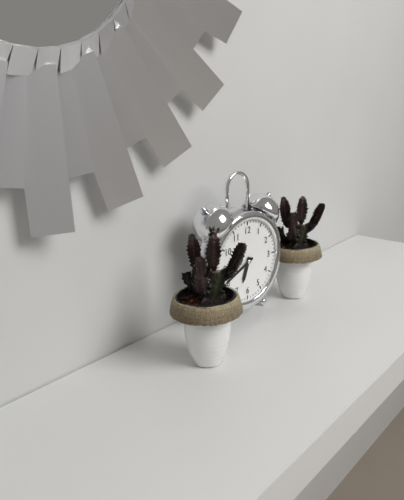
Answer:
6,41
